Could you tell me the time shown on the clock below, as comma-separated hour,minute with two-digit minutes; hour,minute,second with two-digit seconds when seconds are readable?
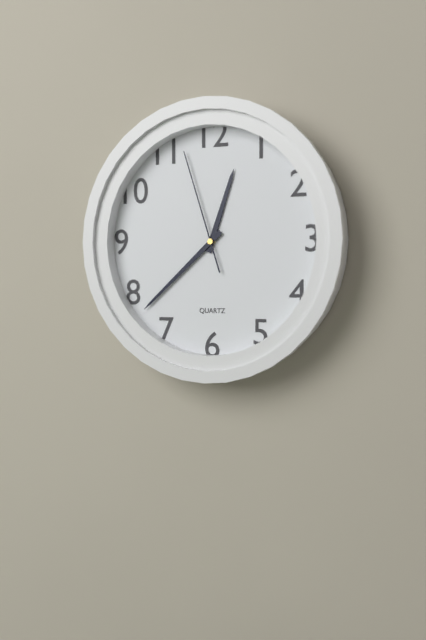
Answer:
12,38,57
